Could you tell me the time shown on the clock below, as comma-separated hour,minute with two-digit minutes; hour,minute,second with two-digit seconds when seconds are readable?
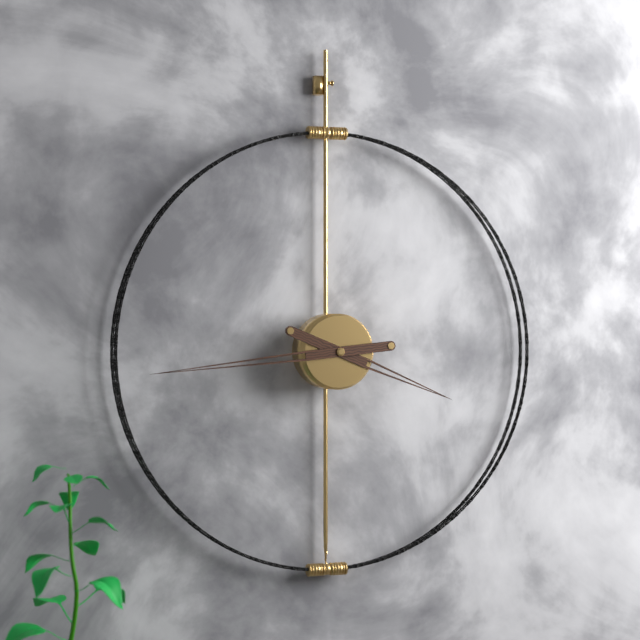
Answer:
3,44
